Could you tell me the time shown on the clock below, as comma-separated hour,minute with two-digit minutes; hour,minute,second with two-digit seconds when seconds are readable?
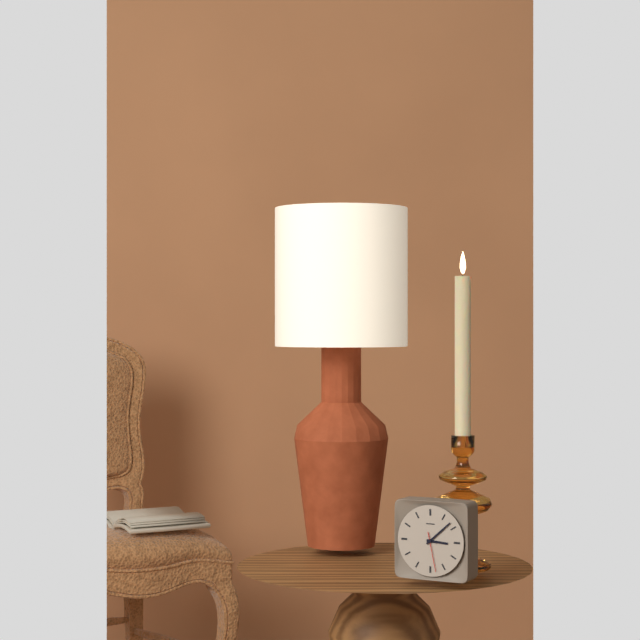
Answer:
3,08
